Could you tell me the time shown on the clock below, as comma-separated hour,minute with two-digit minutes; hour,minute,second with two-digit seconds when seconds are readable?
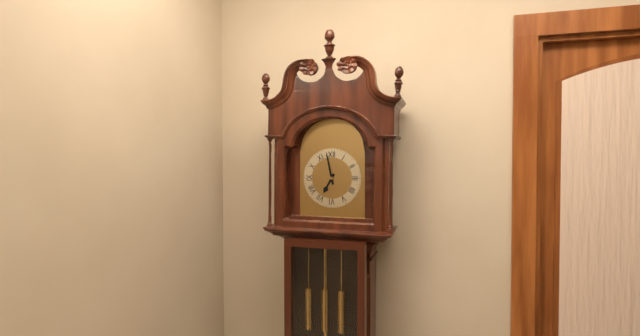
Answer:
6,58
